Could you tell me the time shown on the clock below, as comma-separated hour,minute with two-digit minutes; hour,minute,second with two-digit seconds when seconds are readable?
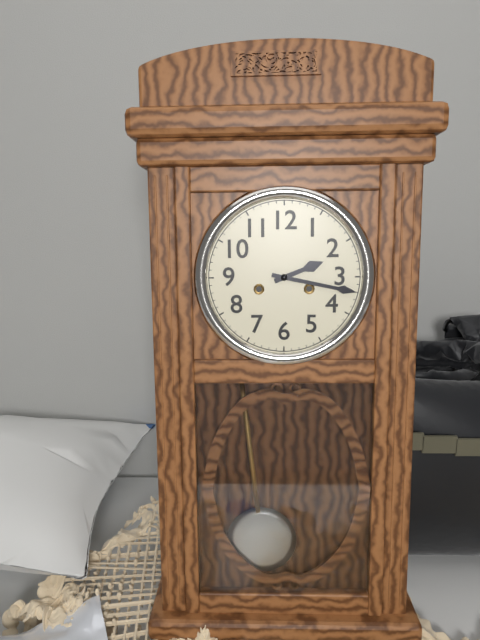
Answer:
2,17
